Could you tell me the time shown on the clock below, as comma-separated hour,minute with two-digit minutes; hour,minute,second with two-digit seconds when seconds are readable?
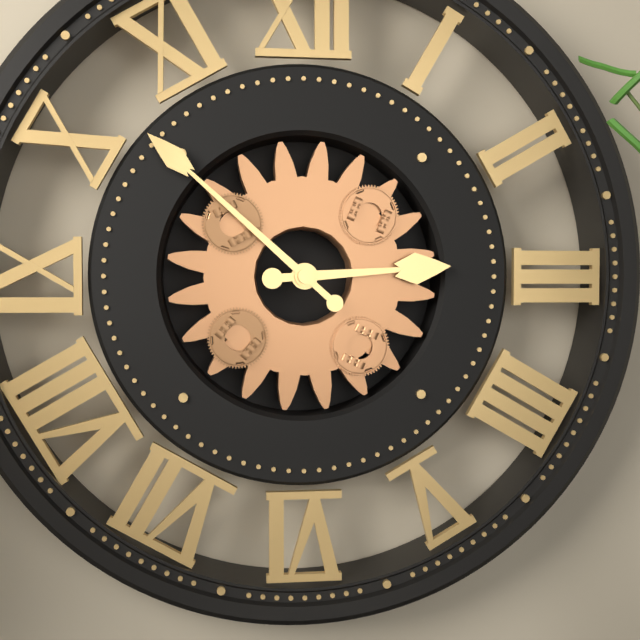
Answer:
2,52
